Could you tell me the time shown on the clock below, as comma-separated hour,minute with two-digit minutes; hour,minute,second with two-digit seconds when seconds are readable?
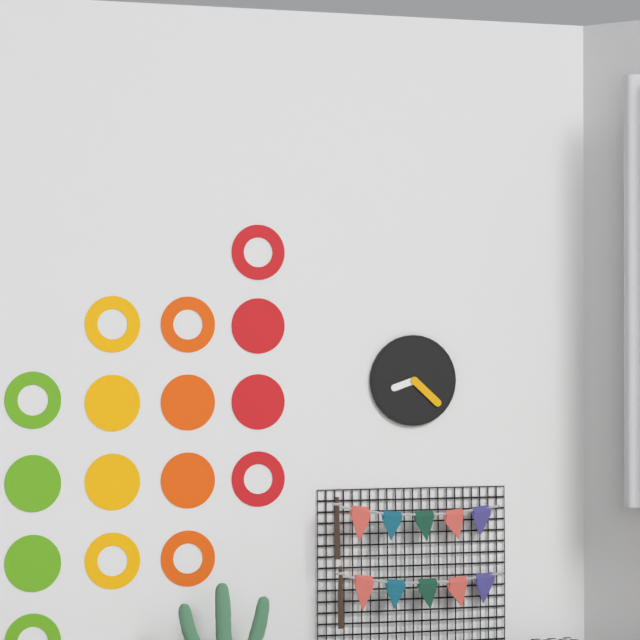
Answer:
8,22
